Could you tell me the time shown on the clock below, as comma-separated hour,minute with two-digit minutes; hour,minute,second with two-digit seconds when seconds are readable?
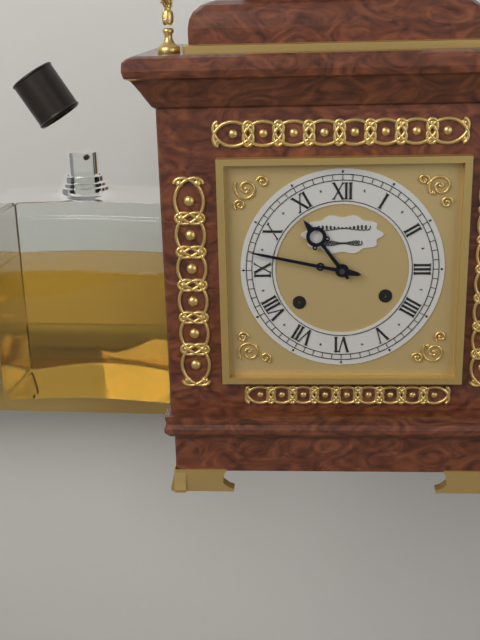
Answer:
10,47
